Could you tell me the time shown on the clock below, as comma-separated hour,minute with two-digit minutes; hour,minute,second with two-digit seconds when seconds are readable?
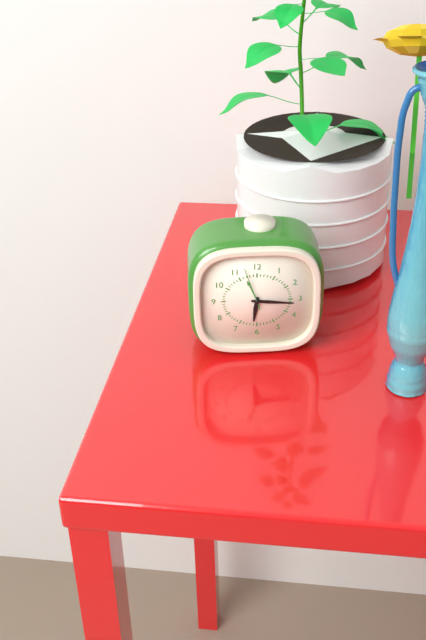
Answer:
6,16
